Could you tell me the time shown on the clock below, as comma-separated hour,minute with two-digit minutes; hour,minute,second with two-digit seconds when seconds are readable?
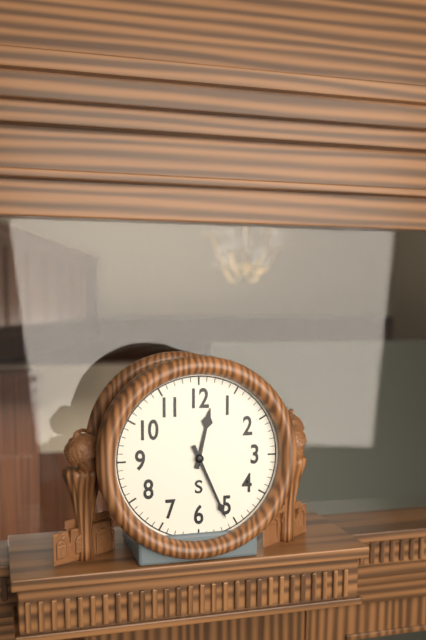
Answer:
12,26
